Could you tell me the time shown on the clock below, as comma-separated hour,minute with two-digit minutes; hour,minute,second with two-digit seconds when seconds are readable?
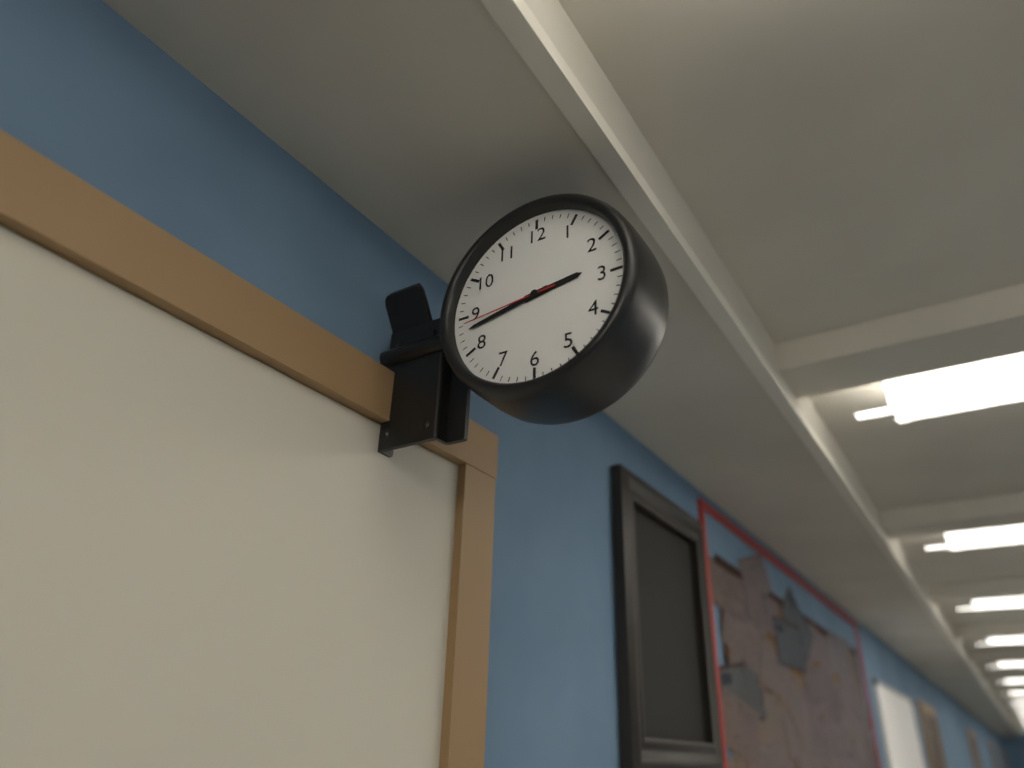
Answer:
2,43,44
